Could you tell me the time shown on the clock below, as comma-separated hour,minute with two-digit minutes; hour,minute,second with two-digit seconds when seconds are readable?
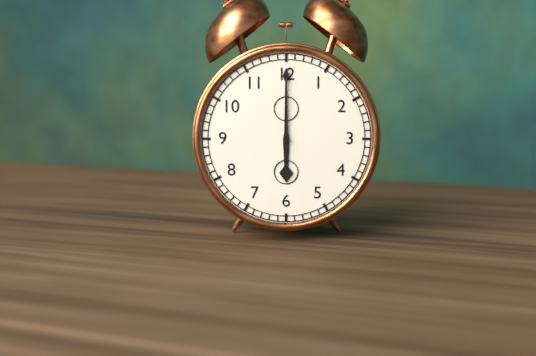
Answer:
6,00
